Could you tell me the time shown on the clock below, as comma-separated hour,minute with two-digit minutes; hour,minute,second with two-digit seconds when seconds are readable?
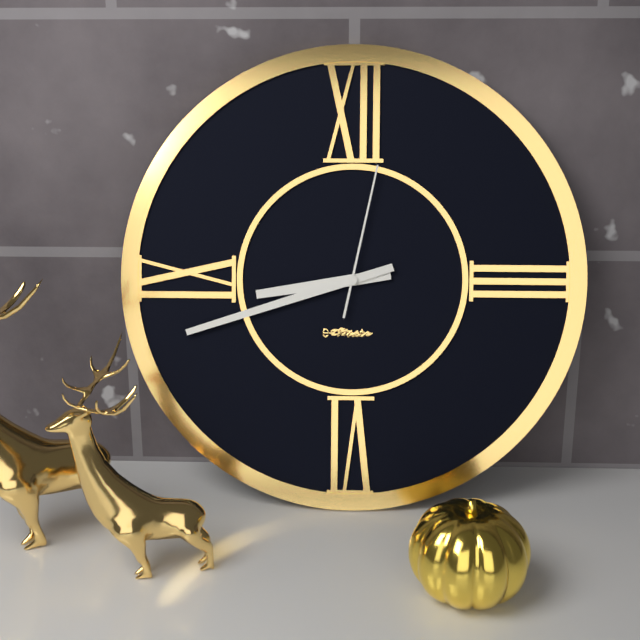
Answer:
8,42,02
